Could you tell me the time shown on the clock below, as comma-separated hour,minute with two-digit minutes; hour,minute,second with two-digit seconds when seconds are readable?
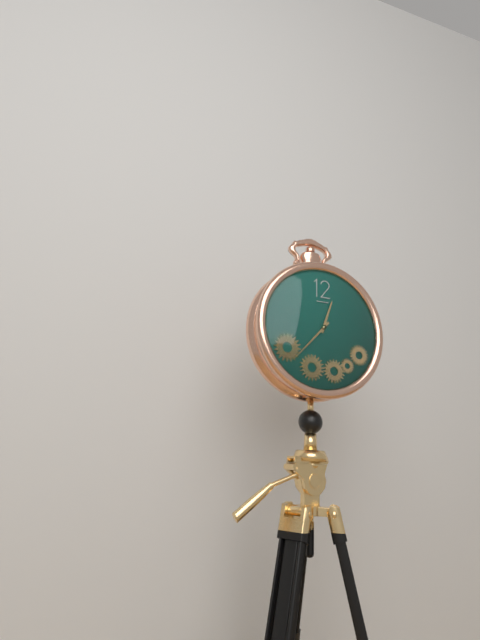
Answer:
12,37
